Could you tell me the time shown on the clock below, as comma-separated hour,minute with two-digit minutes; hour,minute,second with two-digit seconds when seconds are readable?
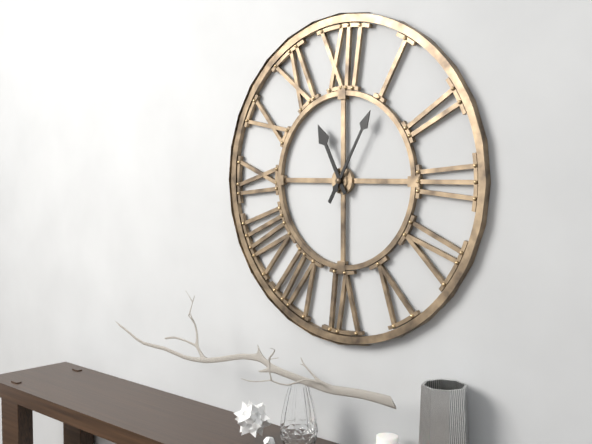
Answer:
11,05
